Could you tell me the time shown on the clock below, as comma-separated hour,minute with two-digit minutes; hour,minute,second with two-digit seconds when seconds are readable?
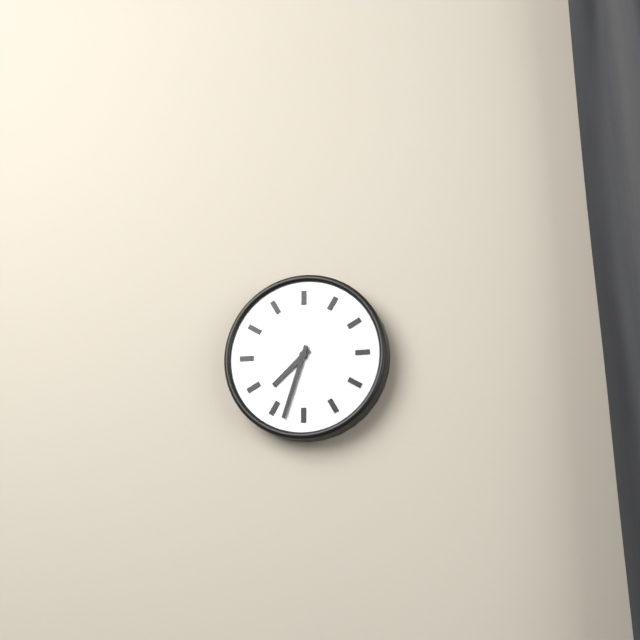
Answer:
7,33
